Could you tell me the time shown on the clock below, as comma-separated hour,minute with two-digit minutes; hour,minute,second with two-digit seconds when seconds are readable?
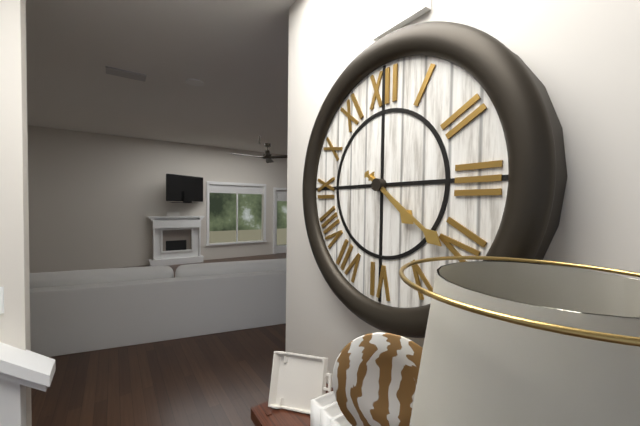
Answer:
4,21
